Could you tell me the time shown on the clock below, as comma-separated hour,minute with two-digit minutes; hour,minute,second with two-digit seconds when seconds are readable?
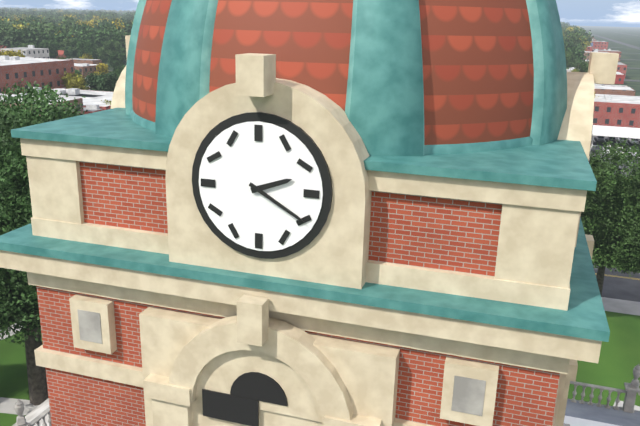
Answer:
2,20
